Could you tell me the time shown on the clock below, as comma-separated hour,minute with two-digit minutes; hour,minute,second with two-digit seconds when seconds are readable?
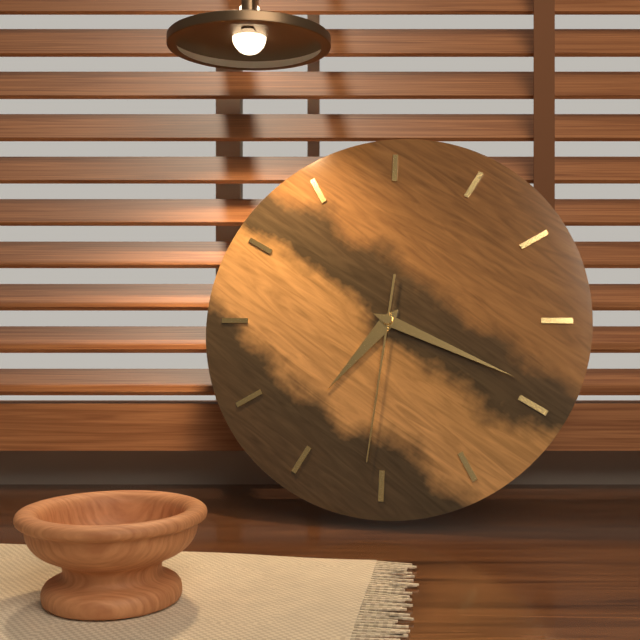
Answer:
7,19,31
